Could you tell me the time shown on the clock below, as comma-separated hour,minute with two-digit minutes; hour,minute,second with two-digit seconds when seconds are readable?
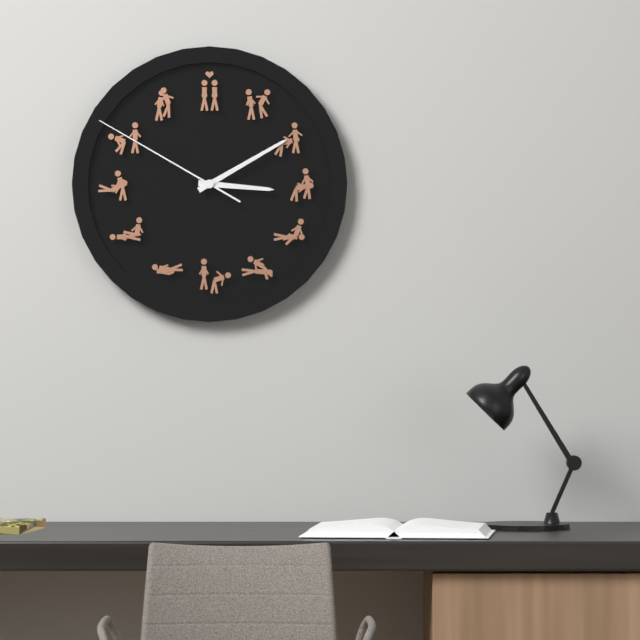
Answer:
3,10,50
